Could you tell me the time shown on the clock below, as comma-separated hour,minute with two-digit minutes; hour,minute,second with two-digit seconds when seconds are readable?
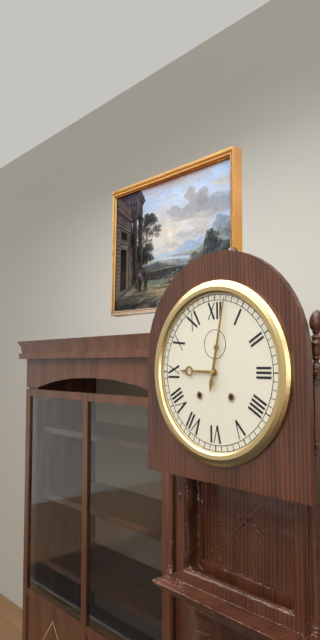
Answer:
9,02
